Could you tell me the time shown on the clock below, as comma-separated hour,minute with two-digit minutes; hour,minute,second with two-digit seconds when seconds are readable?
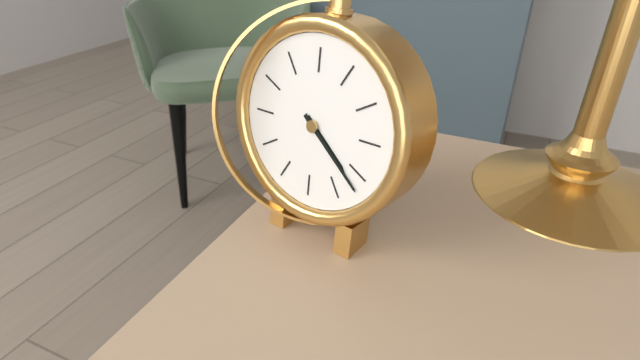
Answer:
4,22
